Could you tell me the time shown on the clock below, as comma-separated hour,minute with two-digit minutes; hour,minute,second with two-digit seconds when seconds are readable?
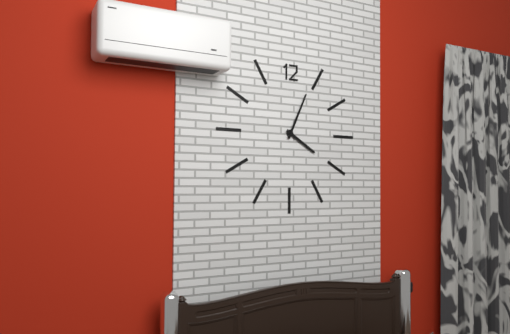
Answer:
4,04
